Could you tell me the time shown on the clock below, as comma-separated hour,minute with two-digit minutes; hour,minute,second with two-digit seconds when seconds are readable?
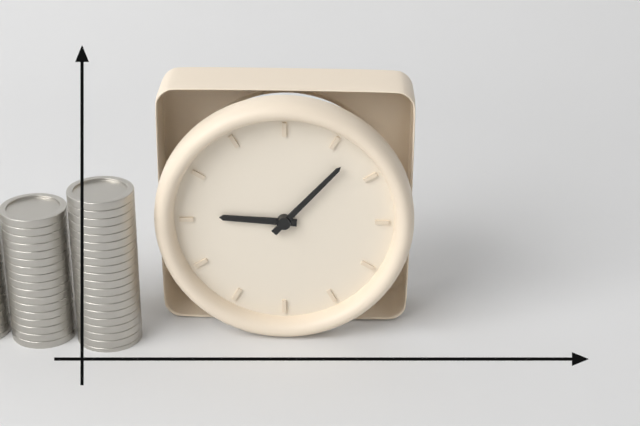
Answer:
9,07
